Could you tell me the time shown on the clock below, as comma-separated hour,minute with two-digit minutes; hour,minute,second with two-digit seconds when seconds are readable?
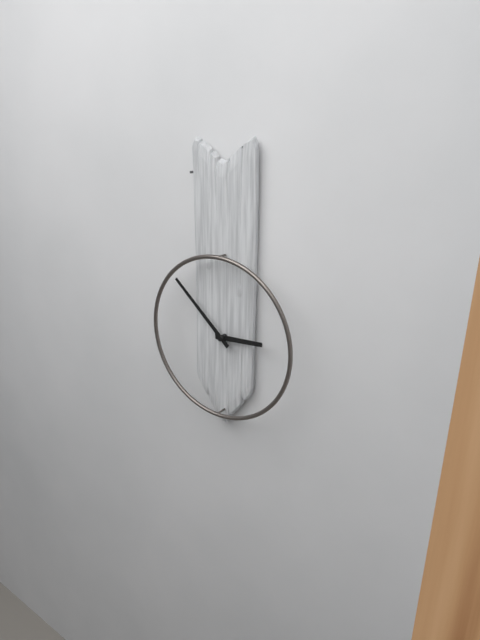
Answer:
2,52
